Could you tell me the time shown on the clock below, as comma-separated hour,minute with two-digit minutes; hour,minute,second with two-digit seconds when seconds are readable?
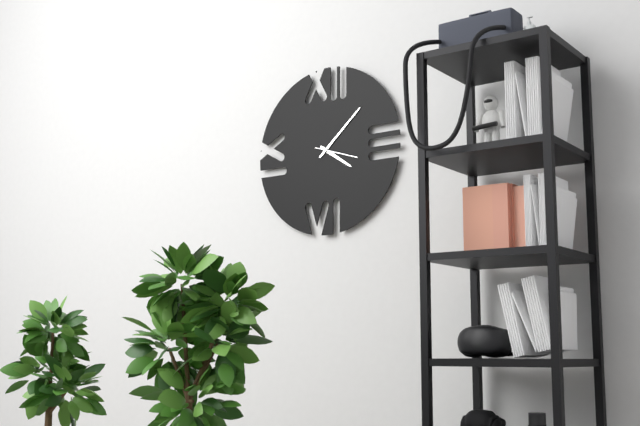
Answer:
4,08
